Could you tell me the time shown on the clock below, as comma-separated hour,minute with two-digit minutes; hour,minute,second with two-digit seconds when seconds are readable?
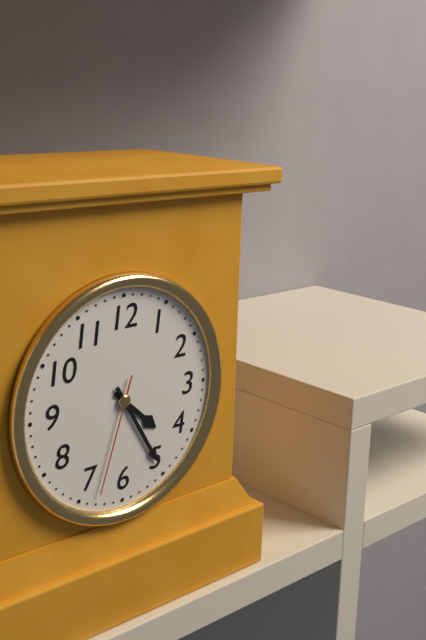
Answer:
4,25,33
